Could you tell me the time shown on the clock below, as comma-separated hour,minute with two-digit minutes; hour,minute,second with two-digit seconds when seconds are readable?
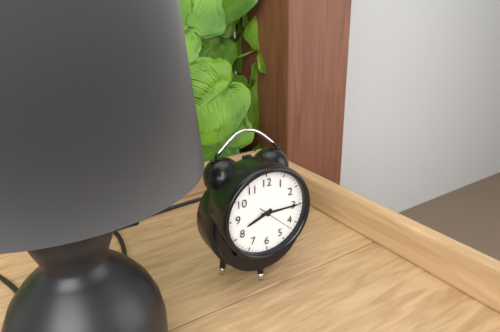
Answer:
8,15
